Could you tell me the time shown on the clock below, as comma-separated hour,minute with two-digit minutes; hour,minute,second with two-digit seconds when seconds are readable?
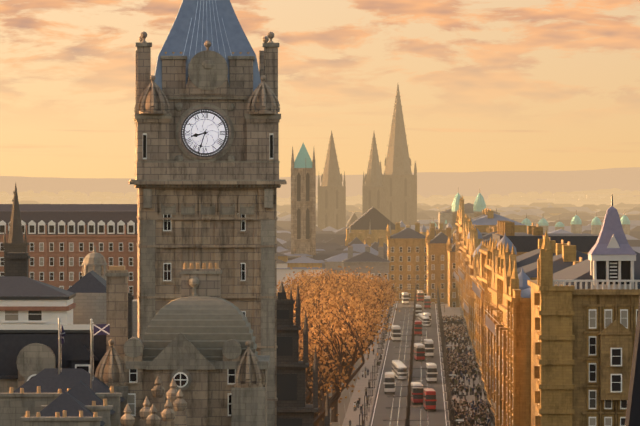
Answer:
8,33
